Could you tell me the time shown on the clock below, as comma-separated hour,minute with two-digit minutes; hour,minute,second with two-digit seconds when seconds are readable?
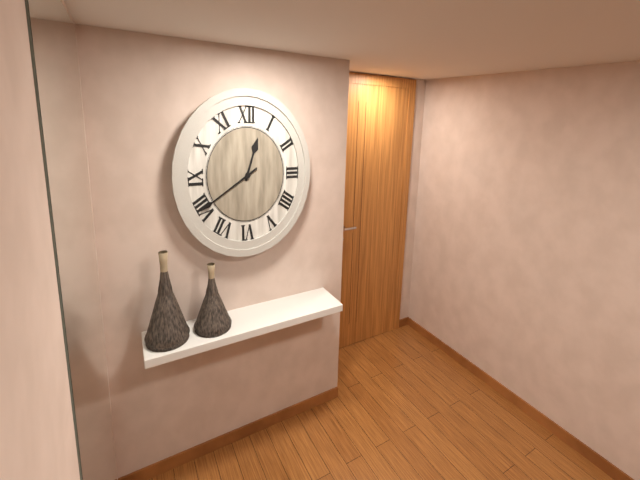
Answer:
12,40
